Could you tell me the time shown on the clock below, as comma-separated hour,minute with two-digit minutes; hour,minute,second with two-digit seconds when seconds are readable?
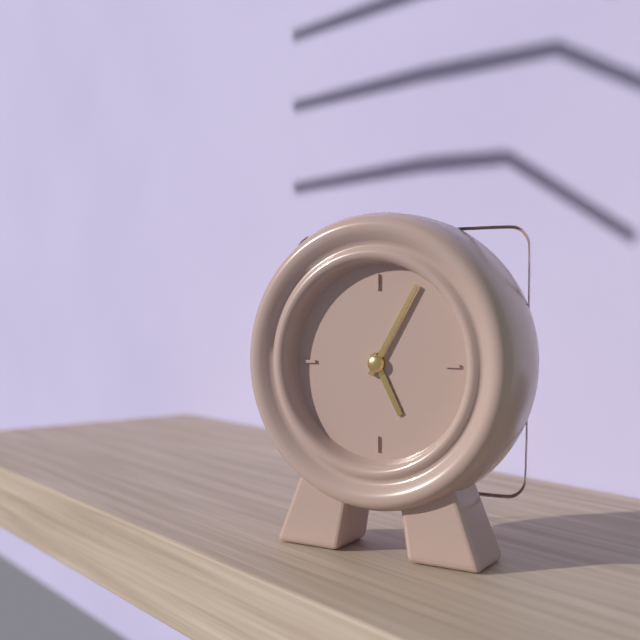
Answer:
5,05
